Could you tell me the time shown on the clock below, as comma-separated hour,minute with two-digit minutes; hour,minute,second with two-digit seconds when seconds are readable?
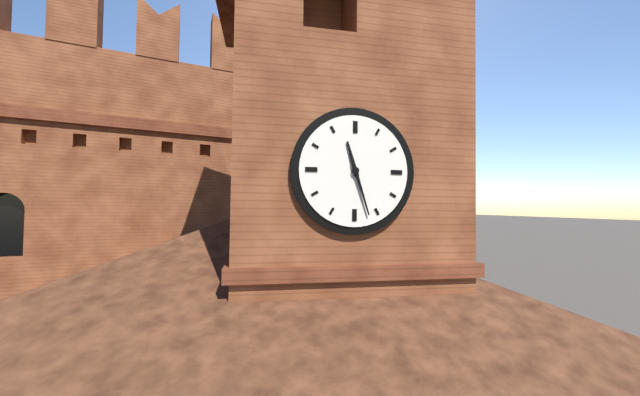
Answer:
11,27
